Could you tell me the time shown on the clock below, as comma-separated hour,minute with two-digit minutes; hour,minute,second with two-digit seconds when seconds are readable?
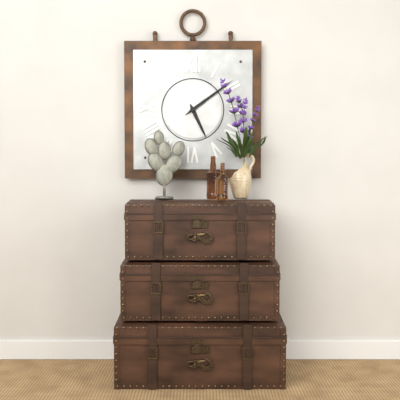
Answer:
5,09
